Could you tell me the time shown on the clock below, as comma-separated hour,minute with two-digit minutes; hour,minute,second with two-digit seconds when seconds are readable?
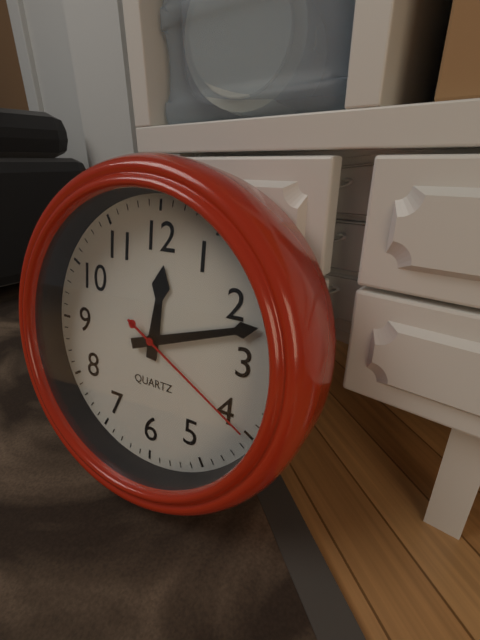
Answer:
12,12,20
